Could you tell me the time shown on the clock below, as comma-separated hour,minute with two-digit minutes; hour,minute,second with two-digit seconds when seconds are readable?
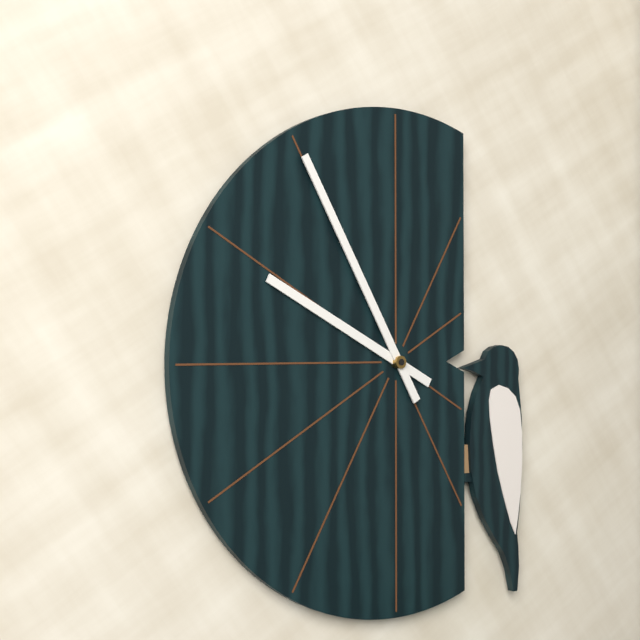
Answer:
9,55
